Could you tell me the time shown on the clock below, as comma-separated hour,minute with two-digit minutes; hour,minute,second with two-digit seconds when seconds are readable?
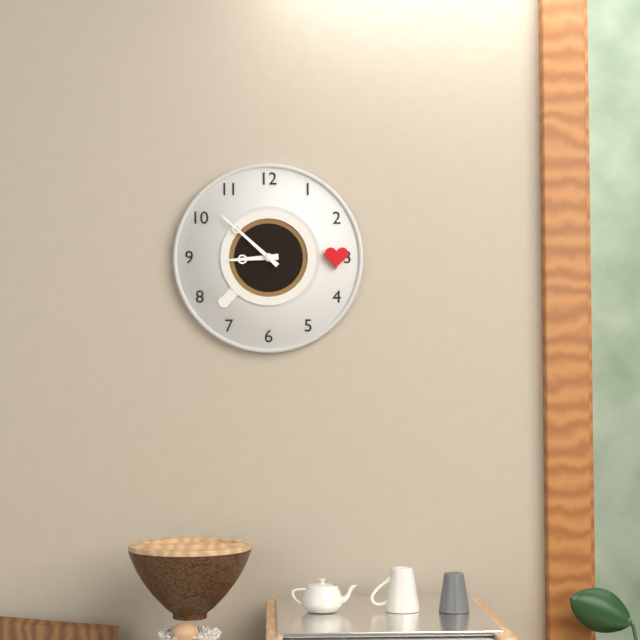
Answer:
8,52
